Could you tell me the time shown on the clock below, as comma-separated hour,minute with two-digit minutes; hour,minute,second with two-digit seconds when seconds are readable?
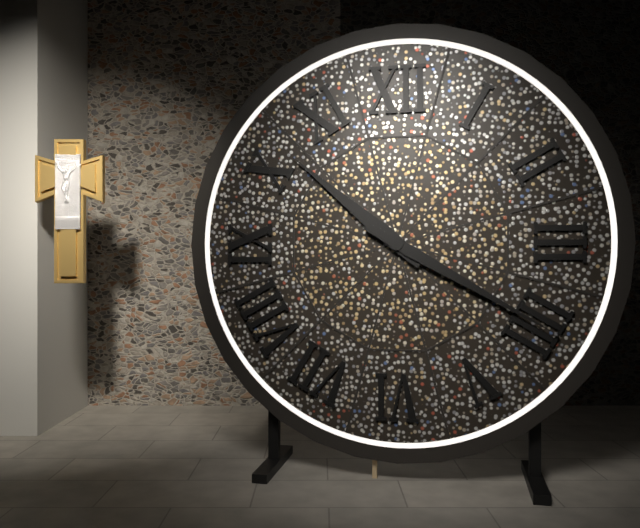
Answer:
10,20
